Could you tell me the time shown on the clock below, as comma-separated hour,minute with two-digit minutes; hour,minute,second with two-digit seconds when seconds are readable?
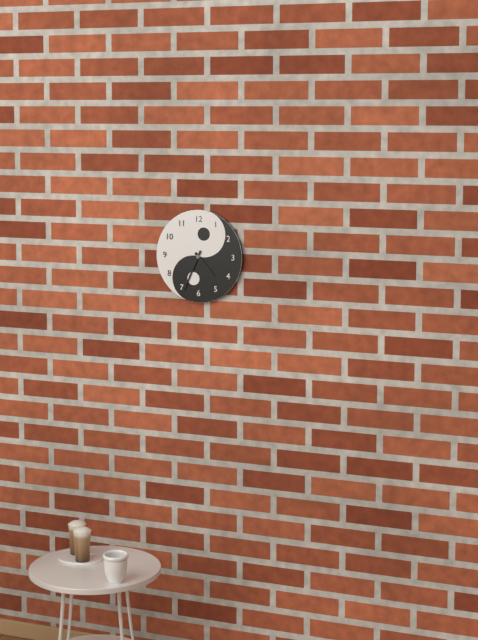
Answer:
4,34
